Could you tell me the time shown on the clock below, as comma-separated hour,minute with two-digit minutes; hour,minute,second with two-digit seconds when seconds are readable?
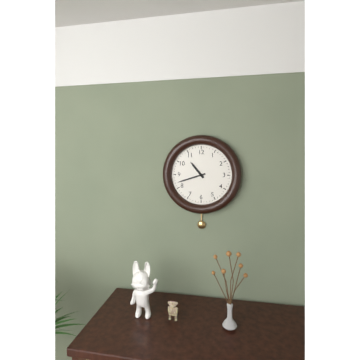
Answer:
10,42
